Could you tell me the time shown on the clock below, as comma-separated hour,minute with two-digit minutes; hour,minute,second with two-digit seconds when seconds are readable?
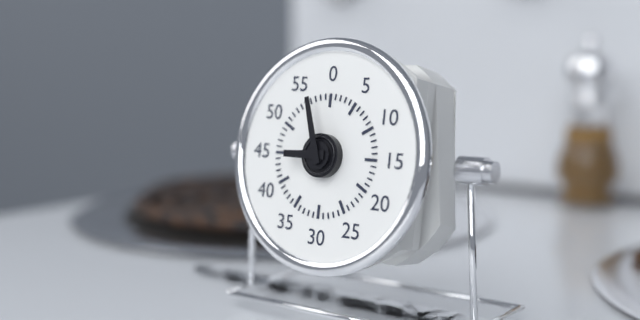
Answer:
8,57
